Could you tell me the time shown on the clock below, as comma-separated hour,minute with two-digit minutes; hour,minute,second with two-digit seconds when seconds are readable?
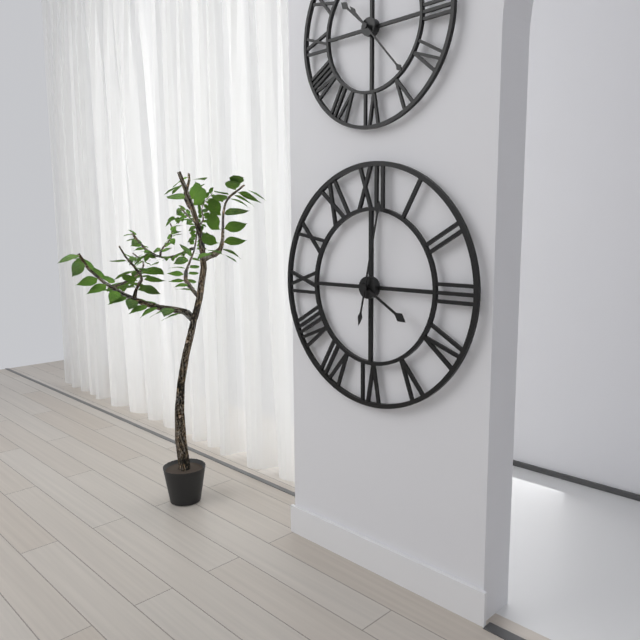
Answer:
4,02
